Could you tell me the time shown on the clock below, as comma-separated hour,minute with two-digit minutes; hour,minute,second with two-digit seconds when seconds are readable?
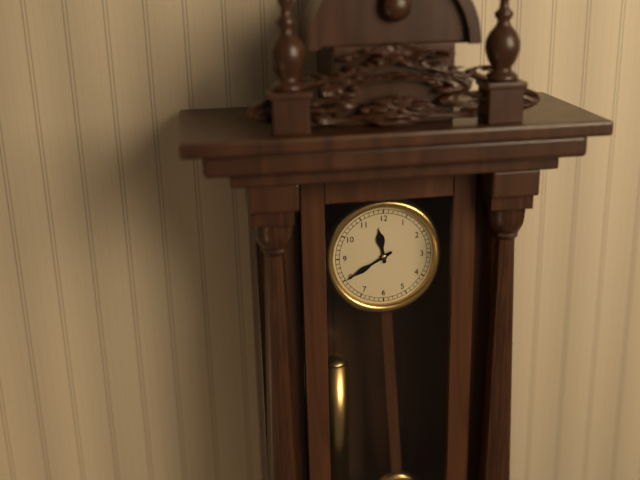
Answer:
11,40
